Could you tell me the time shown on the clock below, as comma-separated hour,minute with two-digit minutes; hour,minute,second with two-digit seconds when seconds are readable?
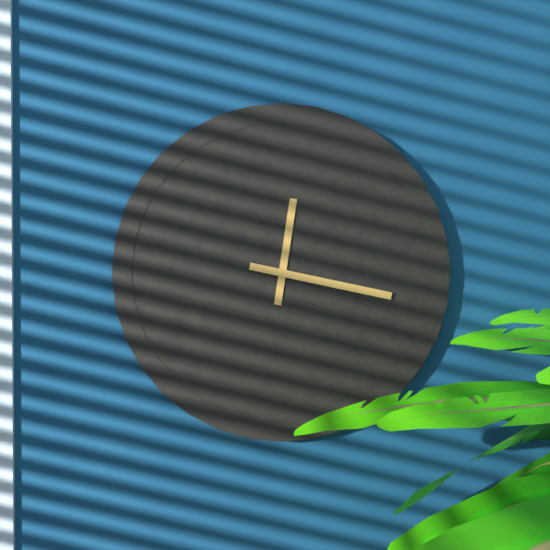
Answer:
12,17
